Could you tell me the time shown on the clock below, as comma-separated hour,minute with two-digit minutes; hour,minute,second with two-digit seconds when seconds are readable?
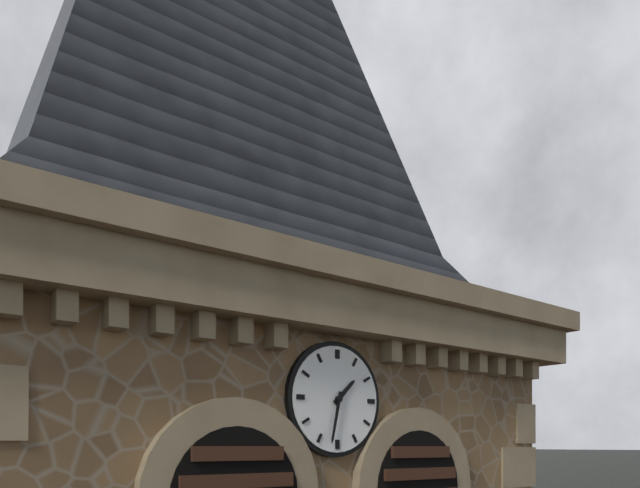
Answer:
1,32
